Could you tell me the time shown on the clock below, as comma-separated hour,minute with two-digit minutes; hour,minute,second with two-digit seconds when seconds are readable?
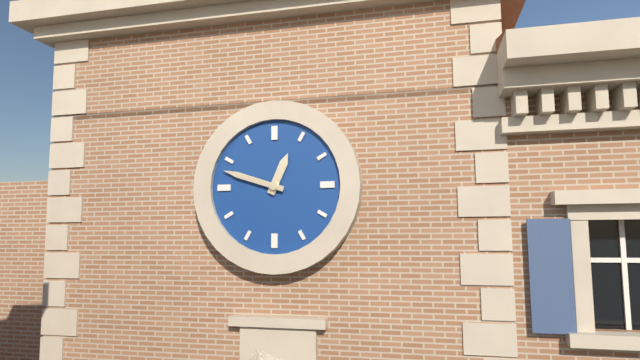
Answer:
12,48
